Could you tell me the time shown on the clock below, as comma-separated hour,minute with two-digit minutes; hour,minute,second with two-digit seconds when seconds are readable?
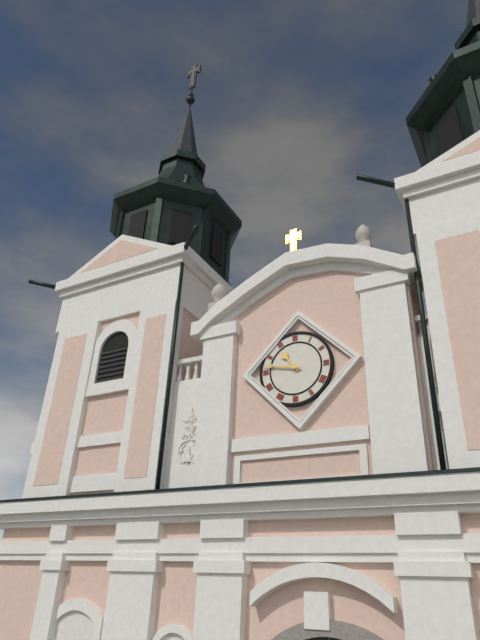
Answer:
10,47
